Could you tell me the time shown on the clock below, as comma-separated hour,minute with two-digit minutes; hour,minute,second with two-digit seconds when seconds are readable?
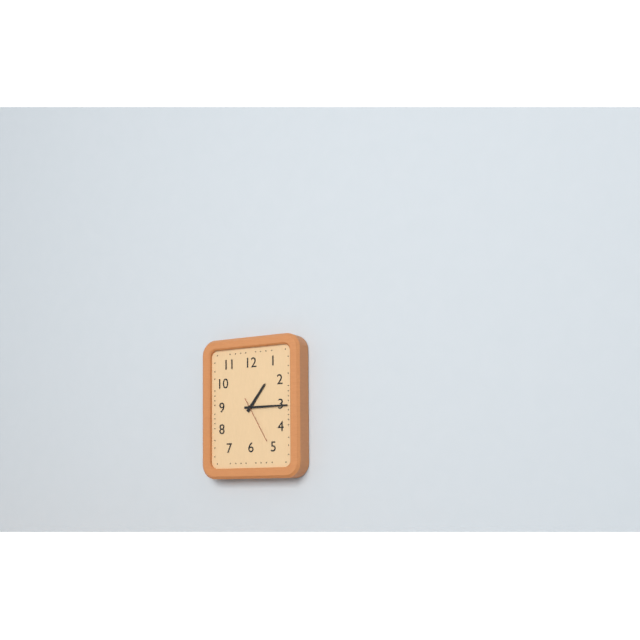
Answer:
1,15
